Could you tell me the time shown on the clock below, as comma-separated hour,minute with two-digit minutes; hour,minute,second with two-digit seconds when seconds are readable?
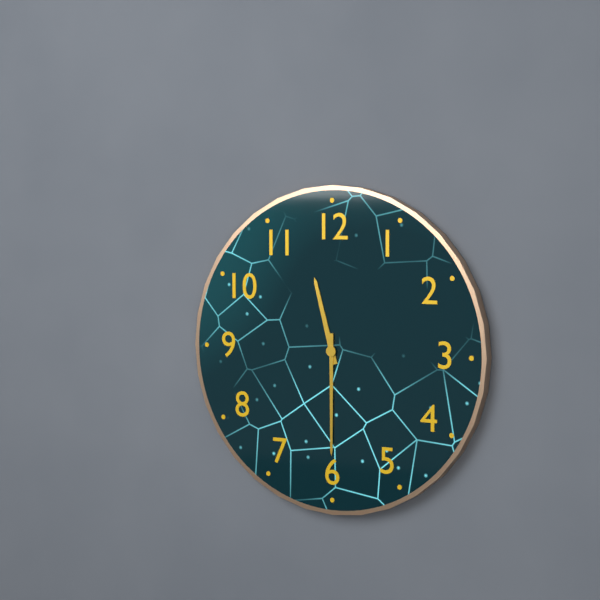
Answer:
11,30
